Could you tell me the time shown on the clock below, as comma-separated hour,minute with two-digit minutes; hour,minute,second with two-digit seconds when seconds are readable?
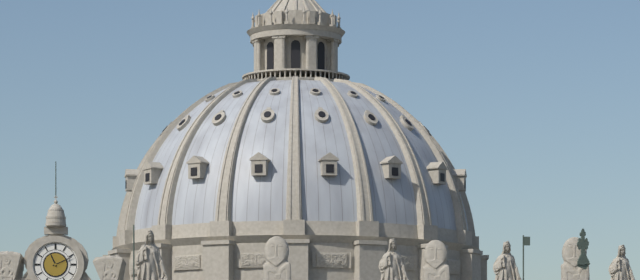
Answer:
11,11
